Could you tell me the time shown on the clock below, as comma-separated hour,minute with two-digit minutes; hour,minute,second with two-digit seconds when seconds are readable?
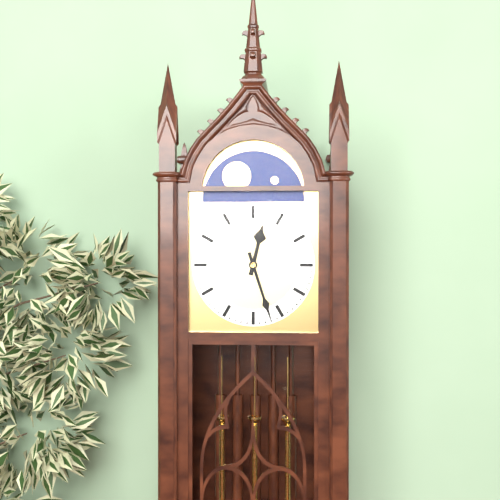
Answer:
12,27
